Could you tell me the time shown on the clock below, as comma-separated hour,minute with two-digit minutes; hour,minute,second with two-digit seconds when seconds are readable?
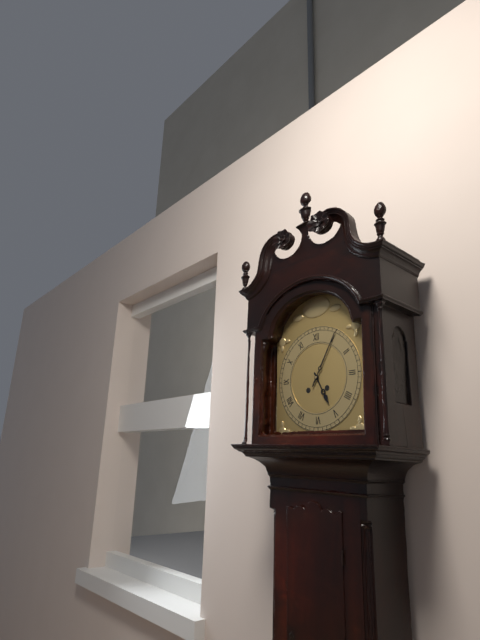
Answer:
5,05
